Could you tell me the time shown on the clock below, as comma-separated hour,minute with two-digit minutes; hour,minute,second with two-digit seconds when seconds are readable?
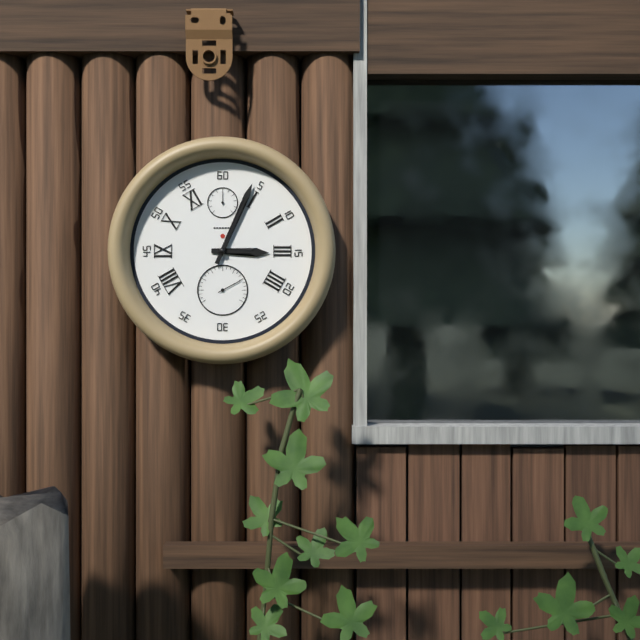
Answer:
3,04
